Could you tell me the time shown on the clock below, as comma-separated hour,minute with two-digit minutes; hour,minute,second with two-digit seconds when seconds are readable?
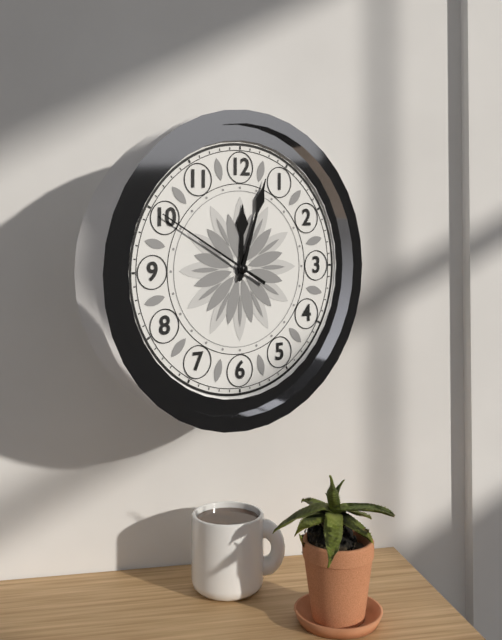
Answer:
12,03,50
